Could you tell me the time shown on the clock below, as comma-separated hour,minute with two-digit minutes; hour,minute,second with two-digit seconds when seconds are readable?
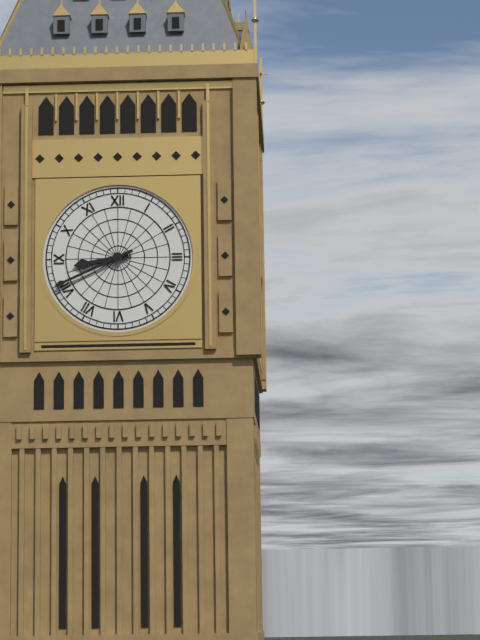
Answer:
8,41
